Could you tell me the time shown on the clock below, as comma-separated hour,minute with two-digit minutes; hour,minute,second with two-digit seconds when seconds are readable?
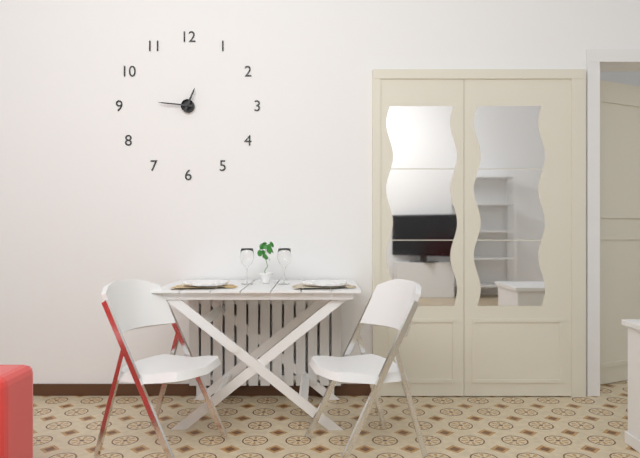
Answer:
12,46
